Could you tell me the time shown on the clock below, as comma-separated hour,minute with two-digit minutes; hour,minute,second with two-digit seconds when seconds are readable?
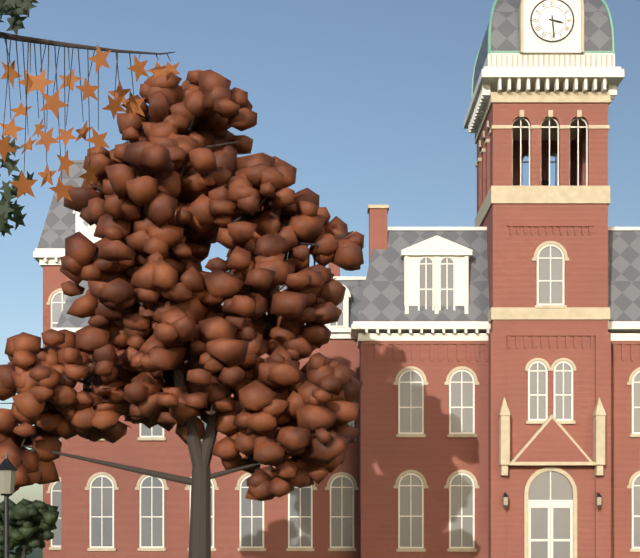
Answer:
3,29
